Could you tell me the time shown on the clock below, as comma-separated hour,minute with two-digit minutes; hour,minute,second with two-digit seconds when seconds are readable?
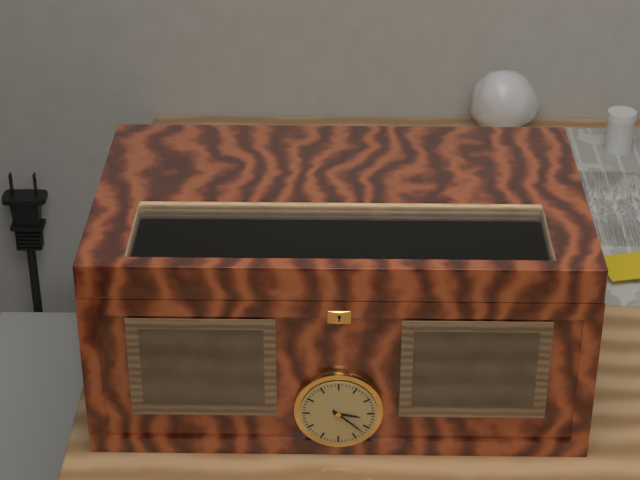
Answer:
3,22
